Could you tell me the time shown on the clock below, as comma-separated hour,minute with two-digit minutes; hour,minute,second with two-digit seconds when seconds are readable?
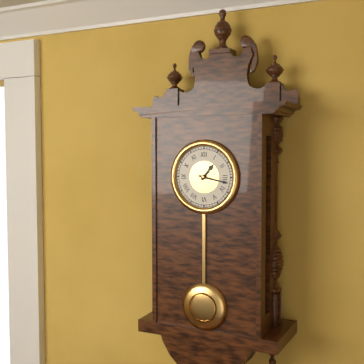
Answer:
1,17
